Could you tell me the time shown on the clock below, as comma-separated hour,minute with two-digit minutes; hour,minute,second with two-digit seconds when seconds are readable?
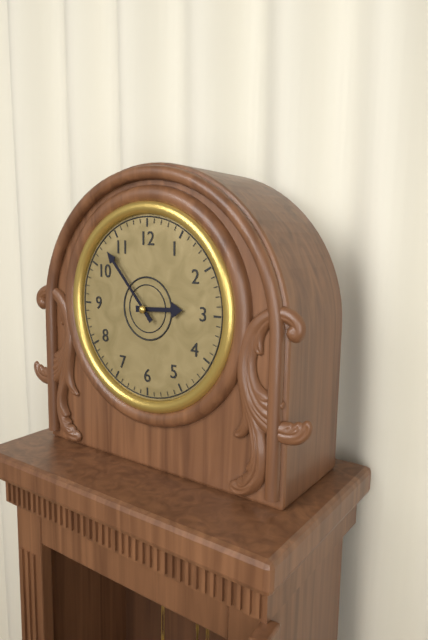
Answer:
2,53
